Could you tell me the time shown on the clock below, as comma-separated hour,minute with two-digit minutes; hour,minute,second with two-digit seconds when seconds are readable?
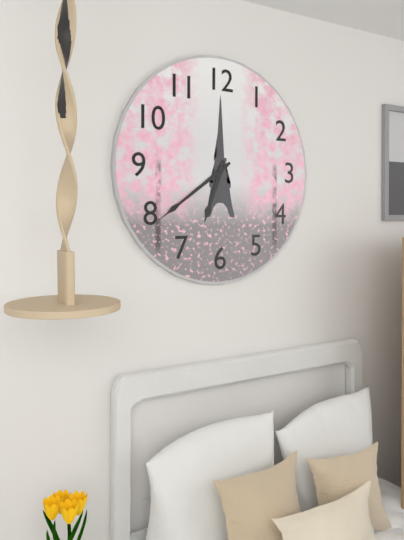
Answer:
6,39
